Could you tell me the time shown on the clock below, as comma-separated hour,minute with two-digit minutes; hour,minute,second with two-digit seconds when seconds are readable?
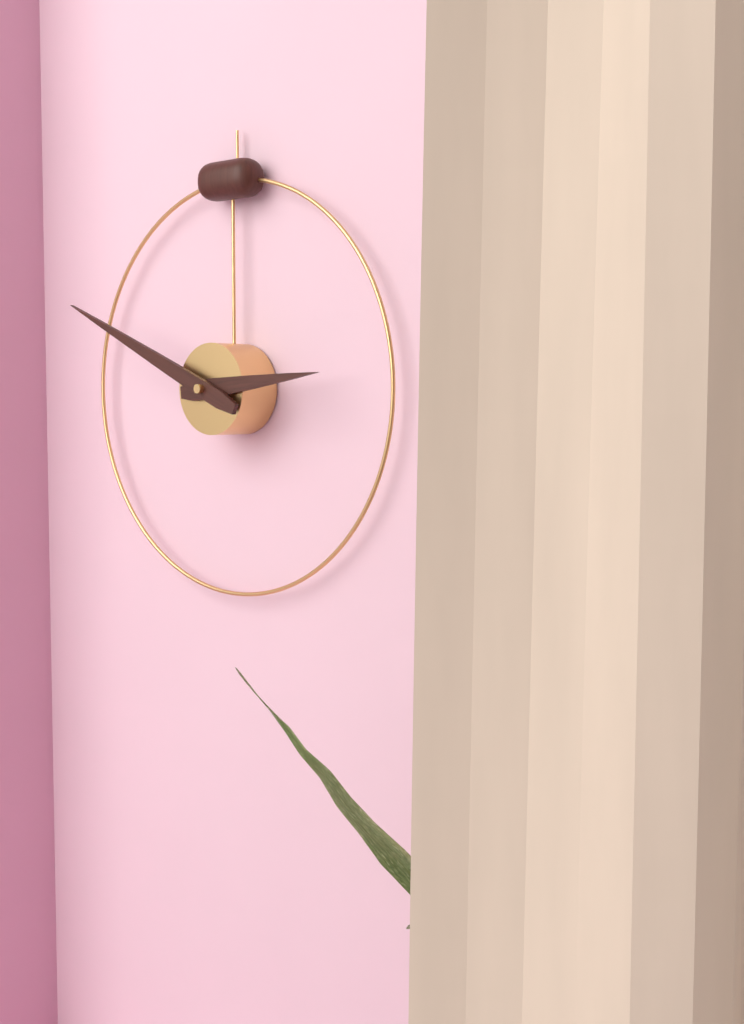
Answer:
2,49
